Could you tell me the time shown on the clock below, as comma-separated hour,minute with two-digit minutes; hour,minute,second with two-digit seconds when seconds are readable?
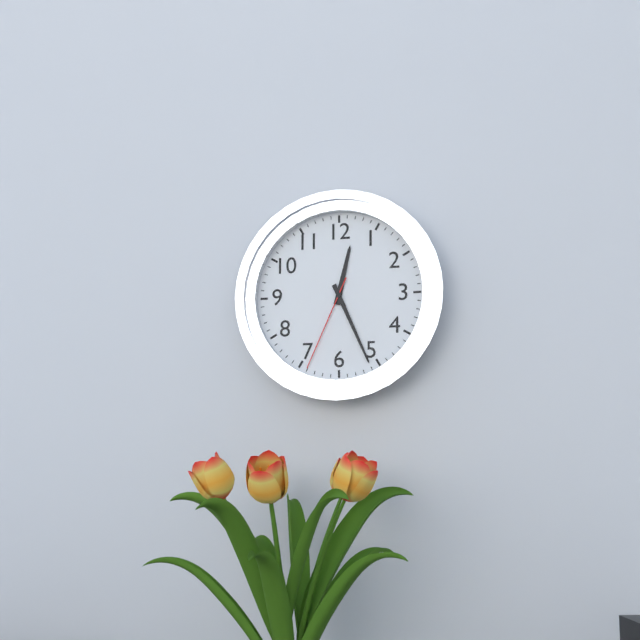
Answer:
12,26,34
